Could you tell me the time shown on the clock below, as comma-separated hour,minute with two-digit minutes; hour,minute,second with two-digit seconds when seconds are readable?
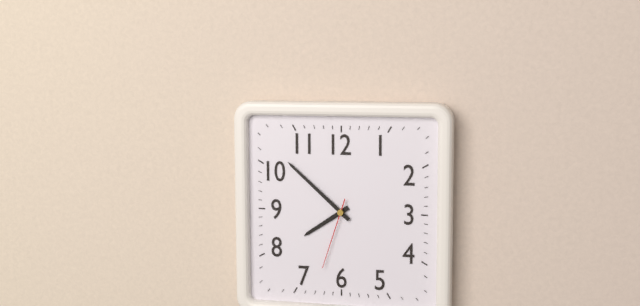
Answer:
7,52,33
